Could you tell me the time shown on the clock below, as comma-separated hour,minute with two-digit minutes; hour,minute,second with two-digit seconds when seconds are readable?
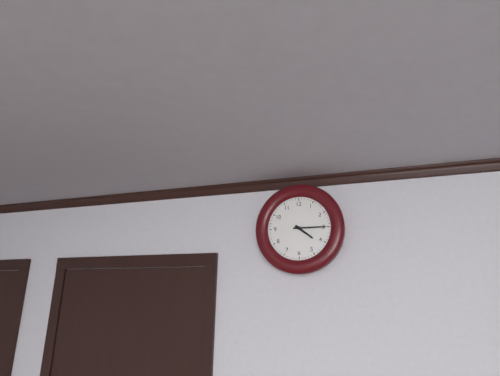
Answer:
4,15
